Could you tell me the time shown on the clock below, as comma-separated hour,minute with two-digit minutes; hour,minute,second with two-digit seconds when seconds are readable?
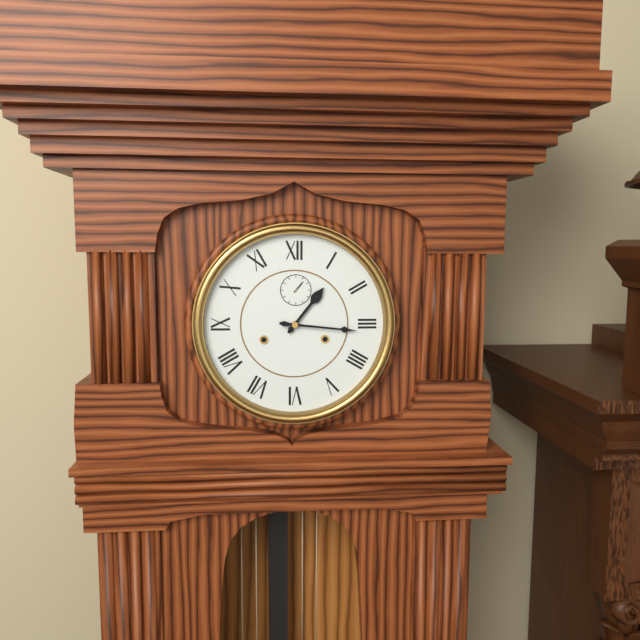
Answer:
1,16
